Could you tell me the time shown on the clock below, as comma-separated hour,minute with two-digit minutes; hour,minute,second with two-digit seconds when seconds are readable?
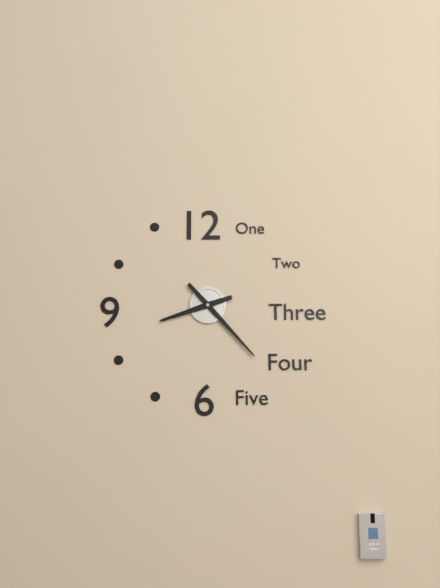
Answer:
8,23
